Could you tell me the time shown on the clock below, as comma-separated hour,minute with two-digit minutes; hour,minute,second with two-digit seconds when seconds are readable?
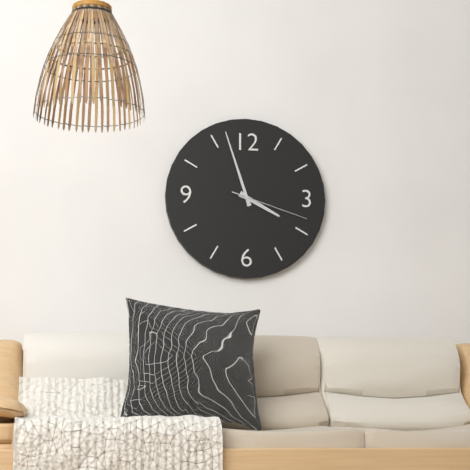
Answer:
3,57,18
